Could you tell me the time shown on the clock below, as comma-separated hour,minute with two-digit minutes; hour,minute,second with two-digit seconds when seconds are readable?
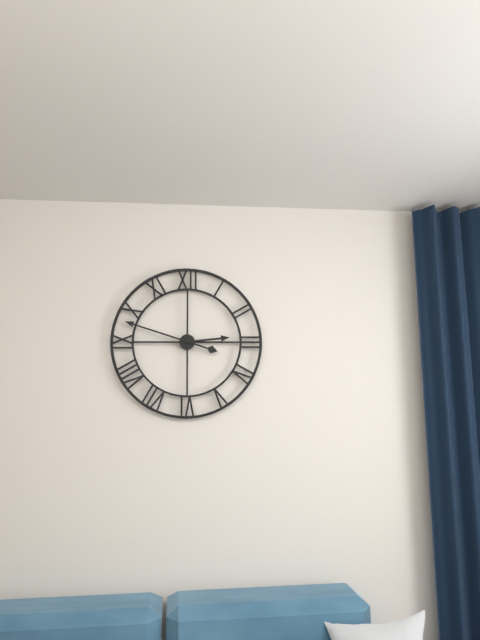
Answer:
2,48
